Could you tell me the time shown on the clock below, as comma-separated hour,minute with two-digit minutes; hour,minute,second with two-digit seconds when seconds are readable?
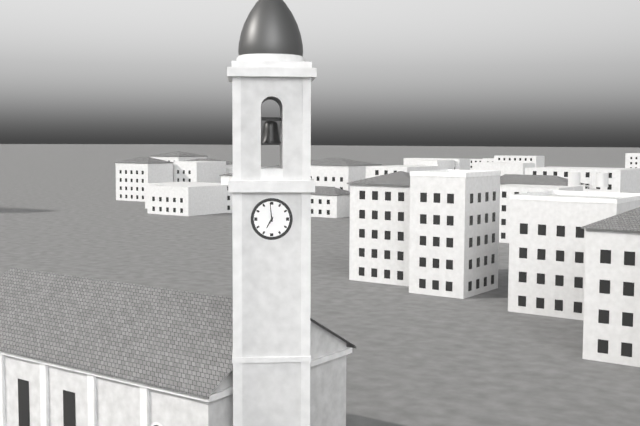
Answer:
6,59
